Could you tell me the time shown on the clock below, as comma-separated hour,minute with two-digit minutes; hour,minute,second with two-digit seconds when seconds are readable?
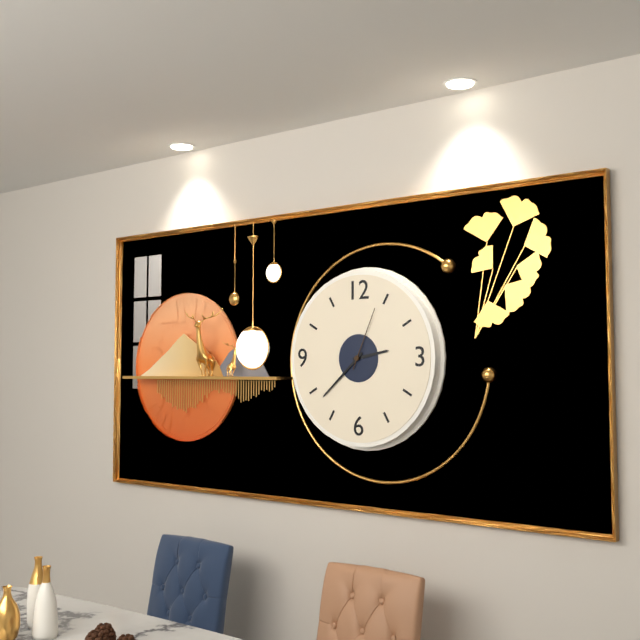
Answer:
2,38,04
